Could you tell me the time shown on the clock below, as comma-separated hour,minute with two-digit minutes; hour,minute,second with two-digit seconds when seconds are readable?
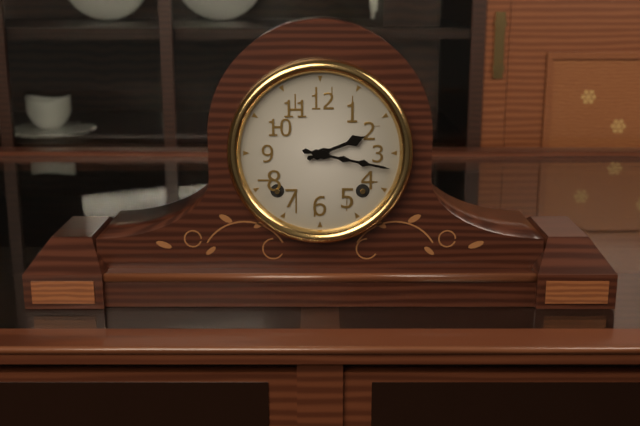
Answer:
2,17
